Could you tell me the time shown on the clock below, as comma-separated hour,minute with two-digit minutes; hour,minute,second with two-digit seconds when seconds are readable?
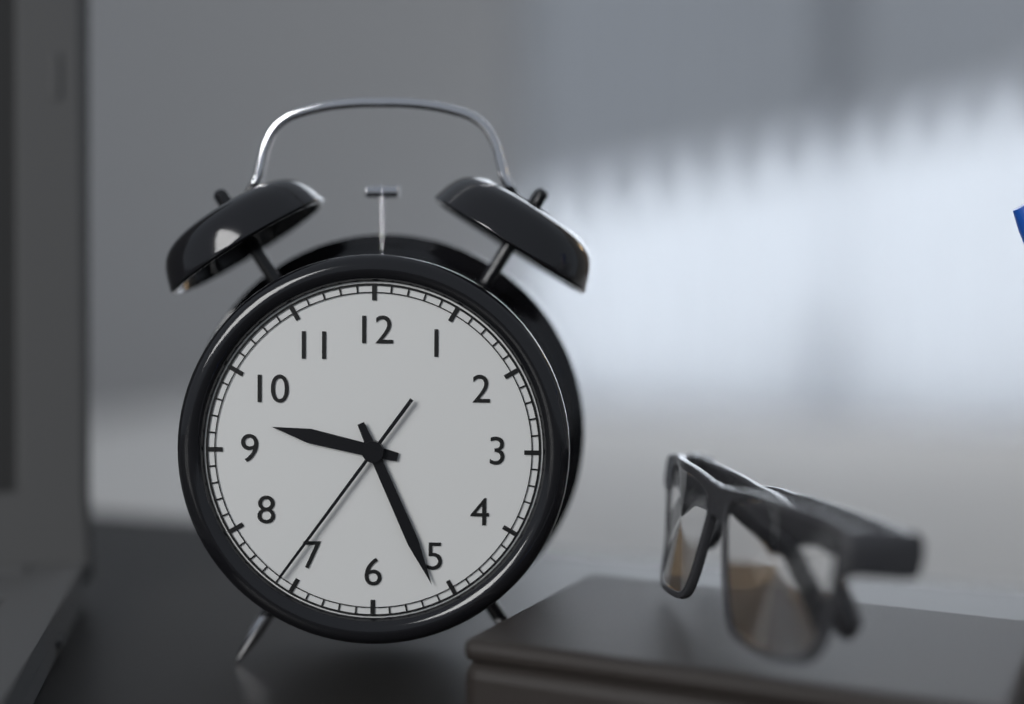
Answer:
9,26,36
